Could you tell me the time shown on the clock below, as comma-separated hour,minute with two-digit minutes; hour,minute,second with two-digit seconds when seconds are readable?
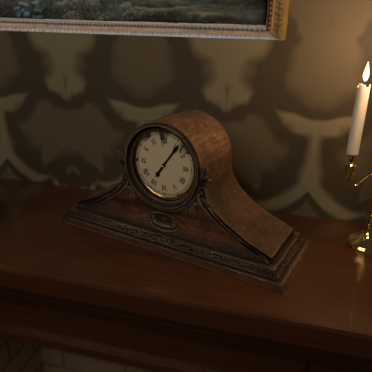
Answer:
7,06
